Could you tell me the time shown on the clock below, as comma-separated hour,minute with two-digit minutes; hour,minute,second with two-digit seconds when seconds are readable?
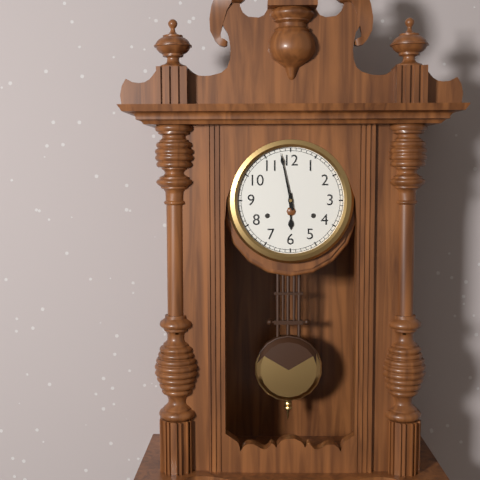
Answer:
5,58
